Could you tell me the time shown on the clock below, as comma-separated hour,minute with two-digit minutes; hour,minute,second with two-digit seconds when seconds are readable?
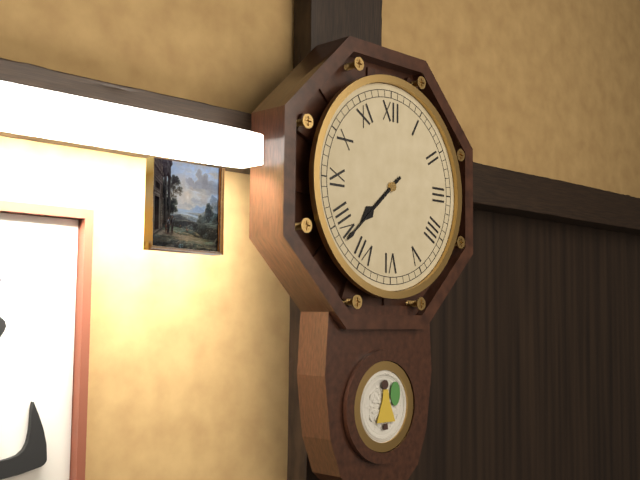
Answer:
7,38
